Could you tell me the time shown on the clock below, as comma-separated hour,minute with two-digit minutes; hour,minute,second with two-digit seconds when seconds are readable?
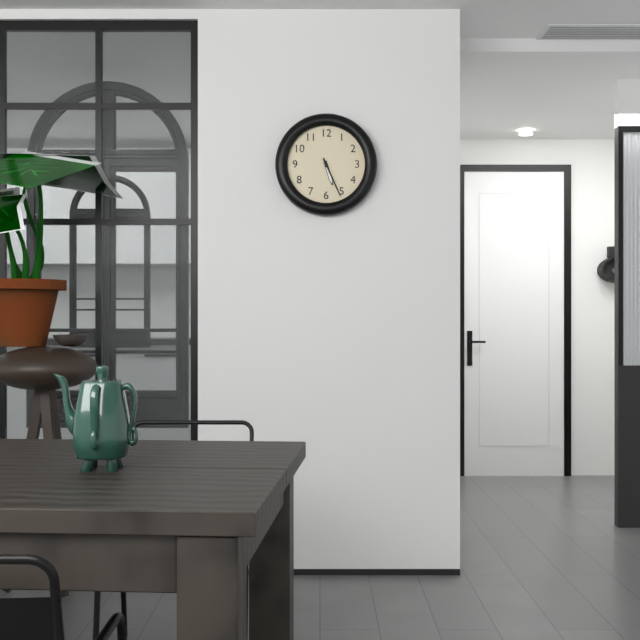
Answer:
5,26
